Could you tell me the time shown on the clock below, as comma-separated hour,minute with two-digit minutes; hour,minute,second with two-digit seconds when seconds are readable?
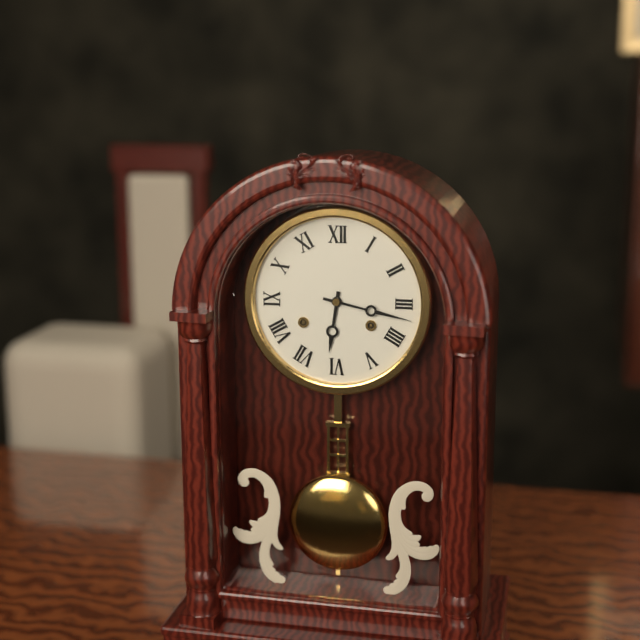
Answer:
6,17
